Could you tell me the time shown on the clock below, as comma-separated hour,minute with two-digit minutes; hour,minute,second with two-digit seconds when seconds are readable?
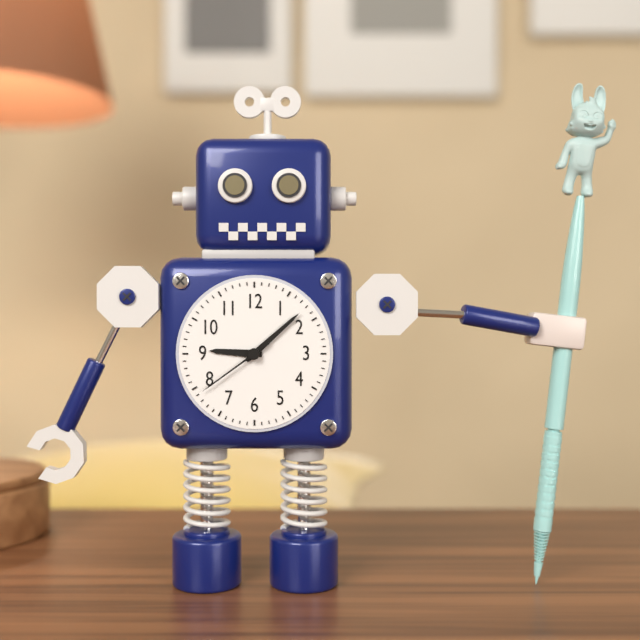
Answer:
9,08,39
